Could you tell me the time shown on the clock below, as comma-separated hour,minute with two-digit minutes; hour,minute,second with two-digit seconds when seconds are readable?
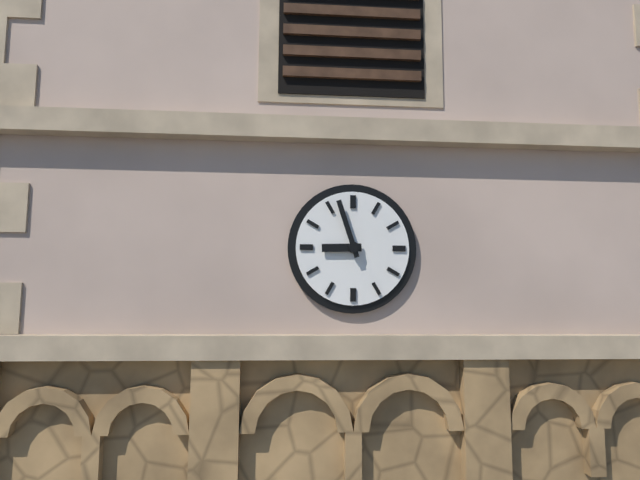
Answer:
8,57
